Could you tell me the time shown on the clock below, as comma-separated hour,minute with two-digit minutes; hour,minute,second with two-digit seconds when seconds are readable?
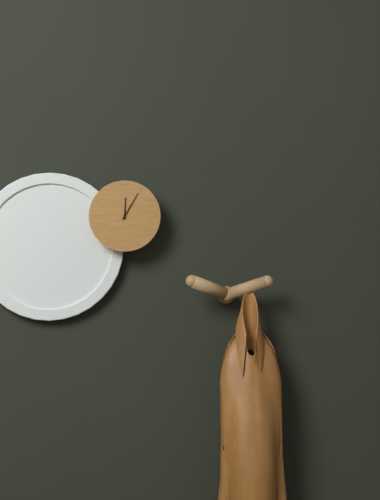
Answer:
12,05
